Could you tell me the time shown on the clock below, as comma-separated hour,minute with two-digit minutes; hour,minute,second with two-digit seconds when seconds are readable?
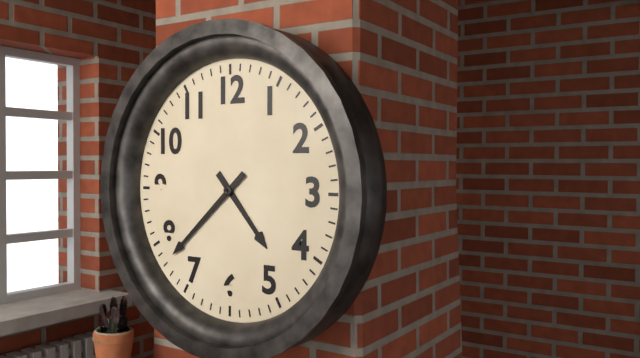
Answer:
4,38
